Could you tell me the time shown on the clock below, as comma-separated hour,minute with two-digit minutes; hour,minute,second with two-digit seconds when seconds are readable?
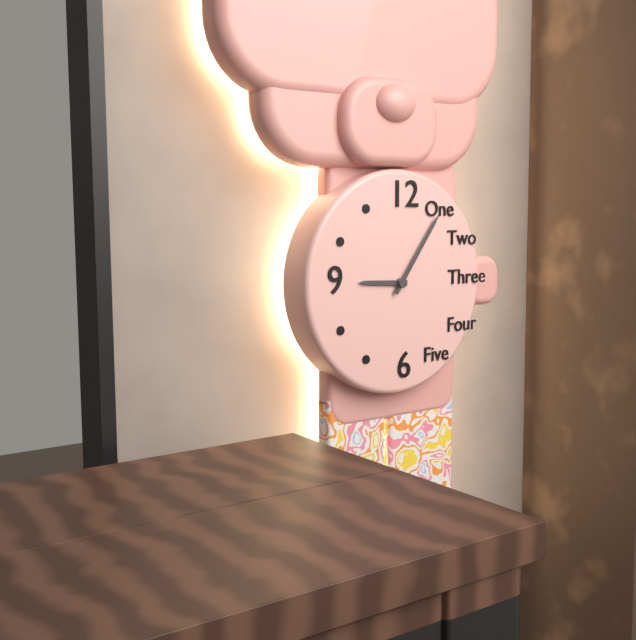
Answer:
9,06
